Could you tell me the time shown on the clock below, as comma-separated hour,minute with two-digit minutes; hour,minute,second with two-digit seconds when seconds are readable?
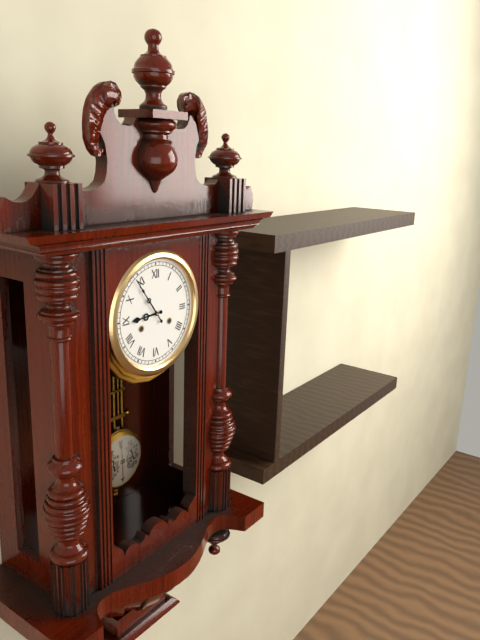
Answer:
8,54
